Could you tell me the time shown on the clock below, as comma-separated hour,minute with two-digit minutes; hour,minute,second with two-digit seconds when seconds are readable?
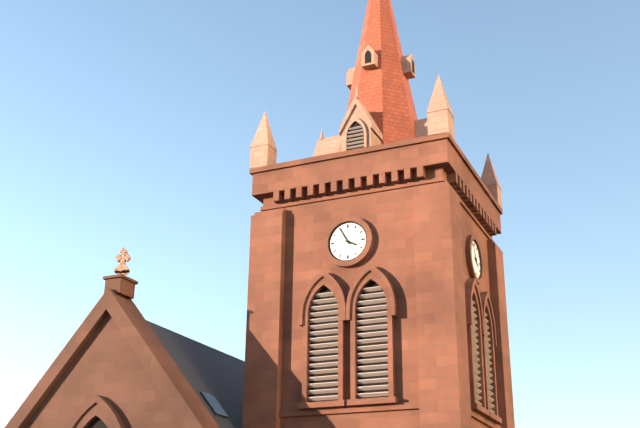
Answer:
3,55
